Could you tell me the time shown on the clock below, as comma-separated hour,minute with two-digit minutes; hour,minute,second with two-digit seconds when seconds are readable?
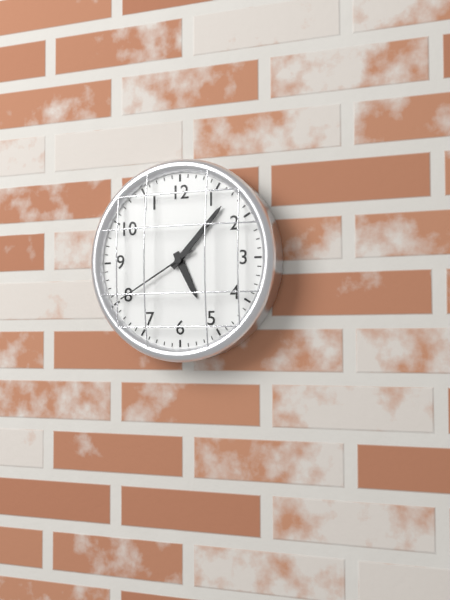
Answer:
5,07,40
